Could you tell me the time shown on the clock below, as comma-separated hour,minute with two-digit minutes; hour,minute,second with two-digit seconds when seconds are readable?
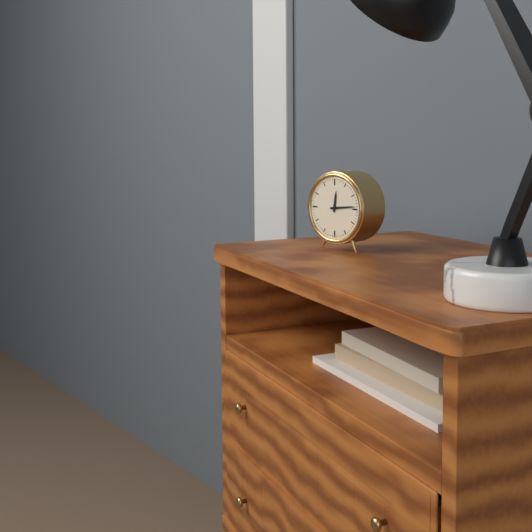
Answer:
12,14
